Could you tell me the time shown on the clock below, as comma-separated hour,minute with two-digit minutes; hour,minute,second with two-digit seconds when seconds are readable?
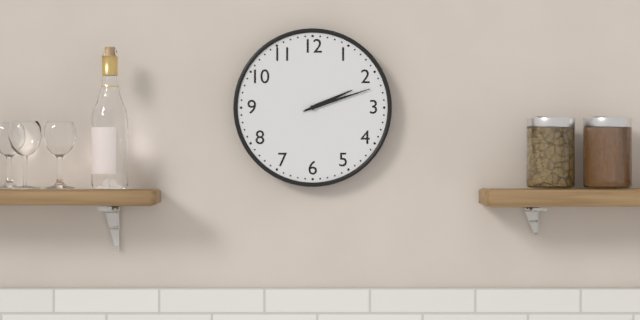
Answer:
2,12
